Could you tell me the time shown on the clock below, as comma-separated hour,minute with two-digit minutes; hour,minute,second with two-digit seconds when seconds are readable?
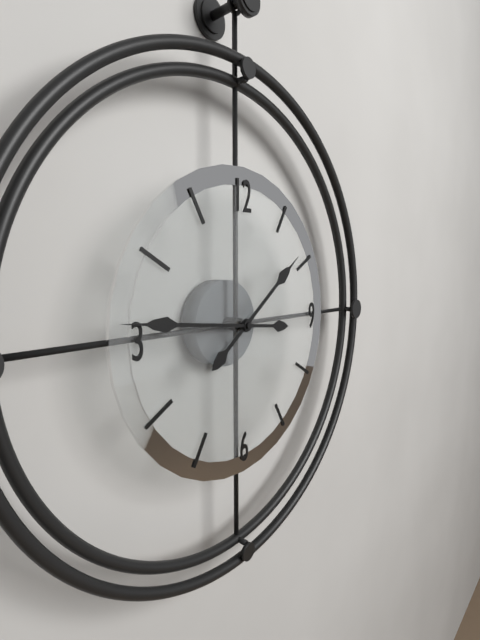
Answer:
1,46
